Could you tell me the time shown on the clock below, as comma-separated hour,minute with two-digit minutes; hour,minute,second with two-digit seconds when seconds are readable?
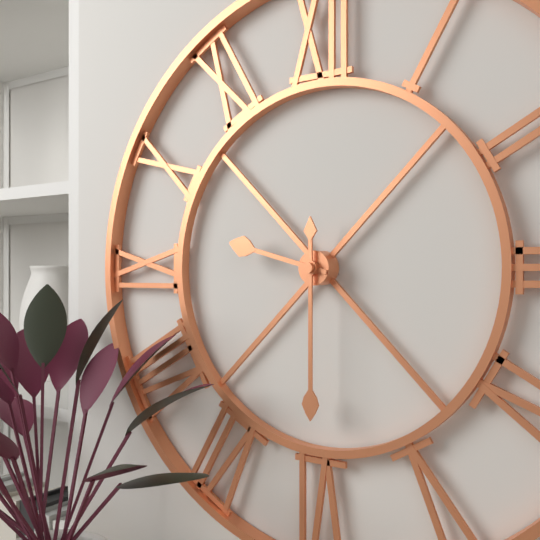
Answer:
9,30
